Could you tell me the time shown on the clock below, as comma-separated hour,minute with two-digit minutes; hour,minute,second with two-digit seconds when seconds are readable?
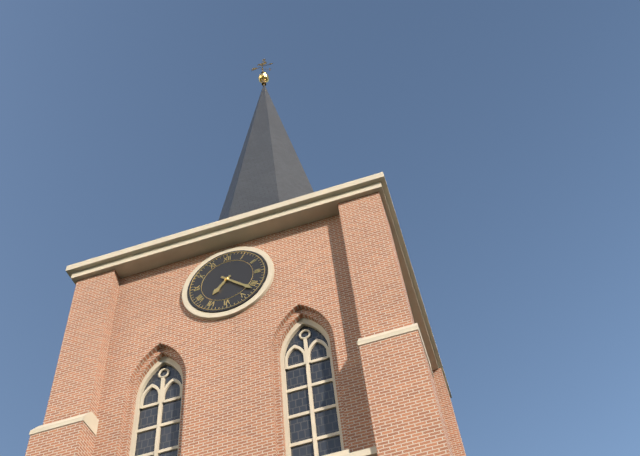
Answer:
7,22
